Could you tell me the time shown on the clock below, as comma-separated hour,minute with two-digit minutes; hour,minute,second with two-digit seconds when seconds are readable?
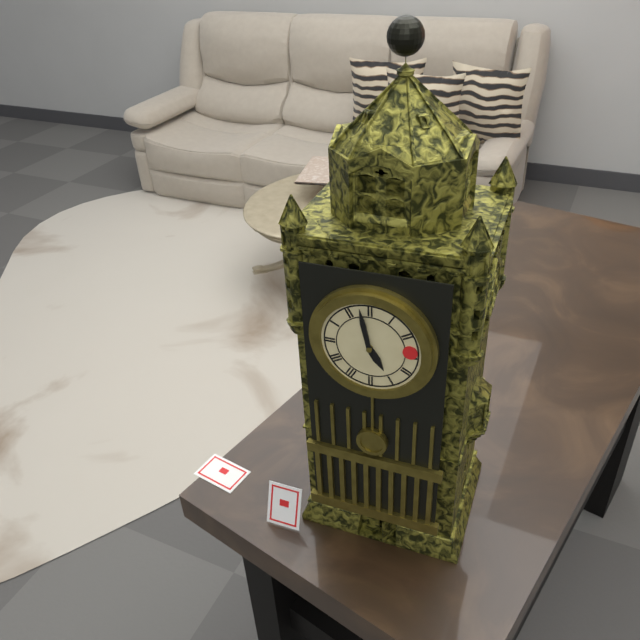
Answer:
4,58
